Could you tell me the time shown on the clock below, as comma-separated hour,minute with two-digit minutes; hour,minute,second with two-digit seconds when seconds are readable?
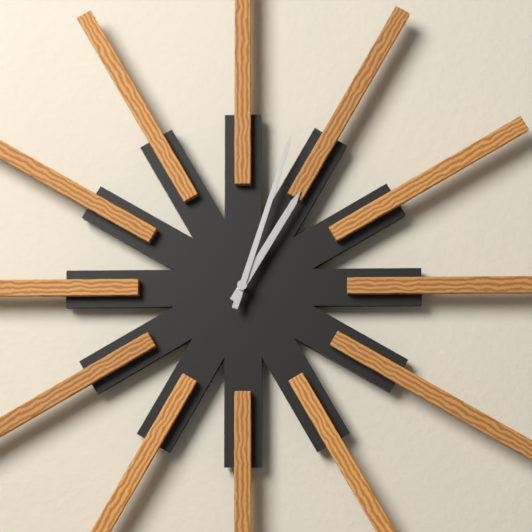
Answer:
1,03
